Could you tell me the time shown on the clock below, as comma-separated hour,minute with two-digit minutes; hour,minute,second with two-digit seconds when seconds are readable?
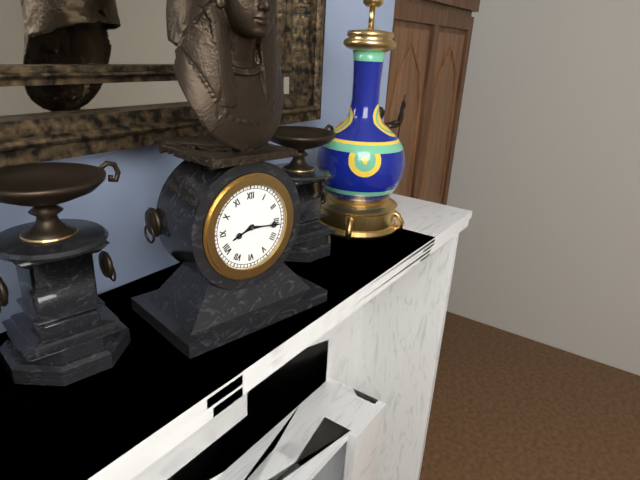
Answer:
8,16
